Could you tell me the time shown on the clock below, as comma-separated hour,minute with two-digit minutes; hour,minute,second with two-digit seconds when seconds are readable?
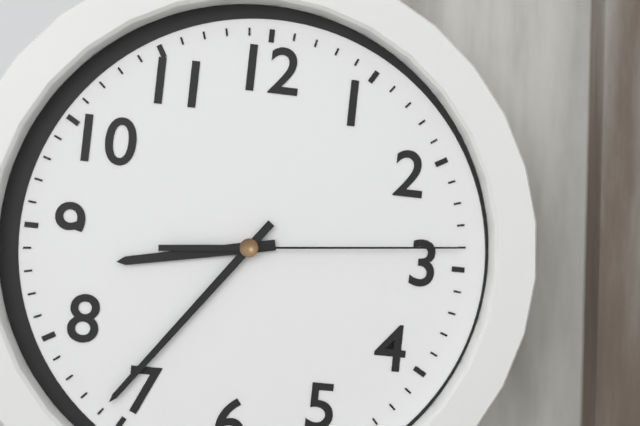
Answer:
8,36,14
